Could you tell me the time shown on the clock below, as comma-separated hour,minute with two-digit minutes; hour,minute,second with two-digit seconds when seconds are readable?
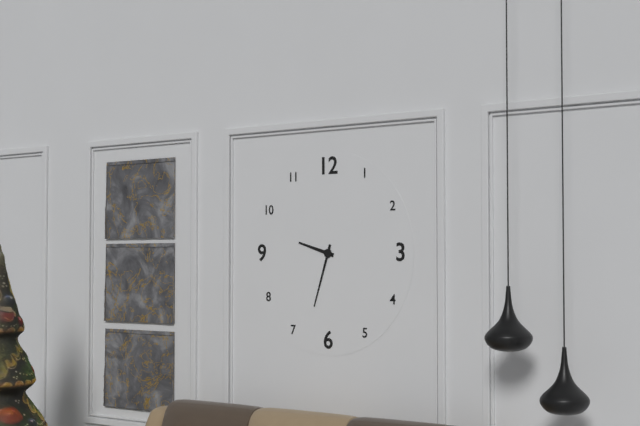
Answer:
9,33
